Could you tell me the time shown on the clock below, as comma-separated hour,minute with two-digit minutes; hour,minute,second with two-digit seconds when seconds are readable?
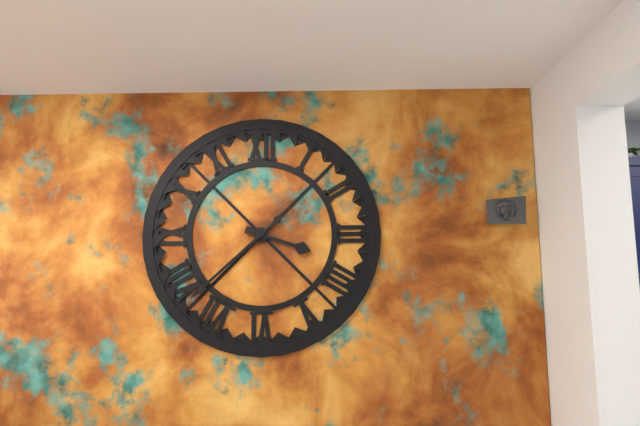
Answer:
3,38
